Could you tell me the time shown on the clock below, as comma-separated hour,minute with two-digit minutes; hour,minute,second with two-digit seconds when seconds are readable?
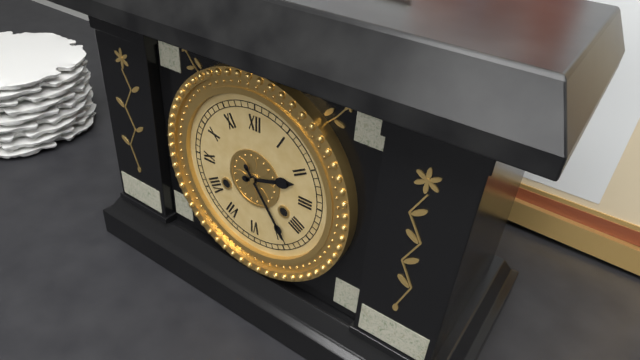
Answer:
2,24
